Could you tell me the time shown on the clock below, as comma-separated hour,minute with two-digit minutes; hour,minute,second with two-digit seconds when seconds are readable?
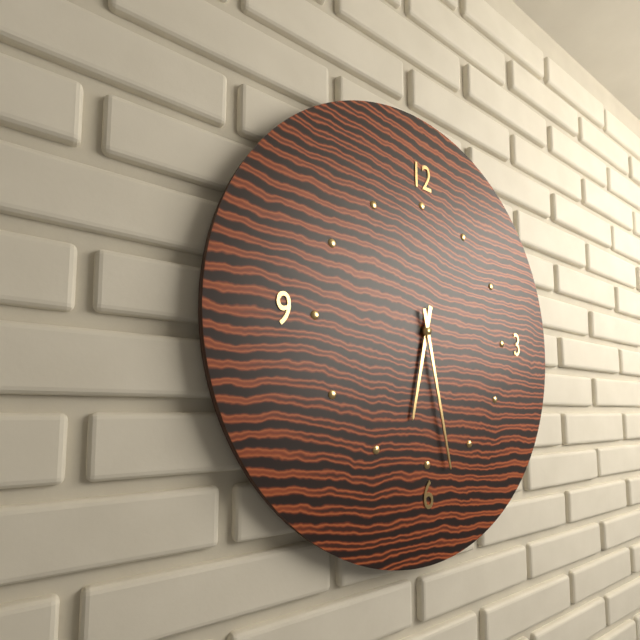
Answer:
6,28
